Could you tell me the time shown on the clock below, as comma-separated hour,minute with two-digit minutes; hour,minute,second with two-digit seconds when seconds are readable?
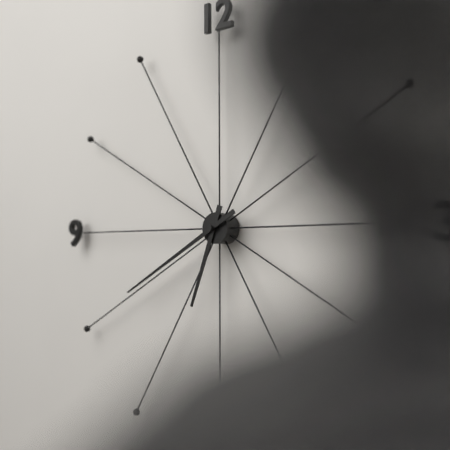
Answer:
6,40
